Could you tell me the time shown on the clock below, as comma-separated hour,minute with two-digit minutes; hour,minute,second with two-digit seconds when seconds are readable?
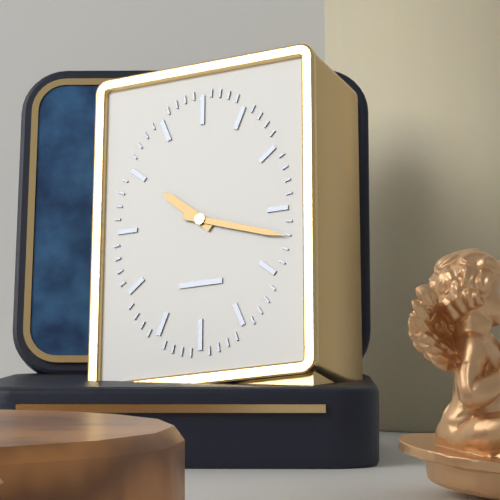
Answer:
10,18
